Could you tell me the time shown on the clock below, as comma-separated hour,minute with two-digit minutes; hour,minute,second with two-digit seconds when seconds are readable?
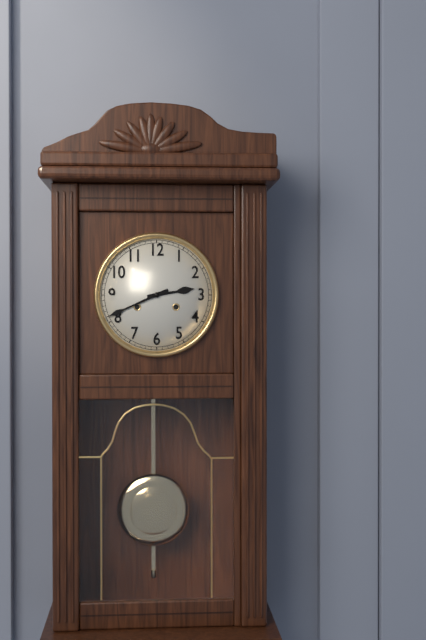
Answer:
2,41
